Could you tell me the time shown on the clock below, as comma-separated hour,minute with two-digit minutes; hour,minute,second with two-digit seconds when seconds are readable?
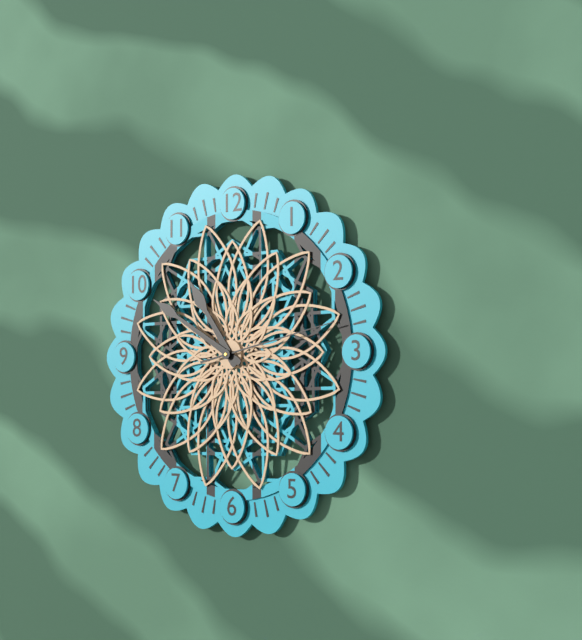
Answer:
10,50,13
